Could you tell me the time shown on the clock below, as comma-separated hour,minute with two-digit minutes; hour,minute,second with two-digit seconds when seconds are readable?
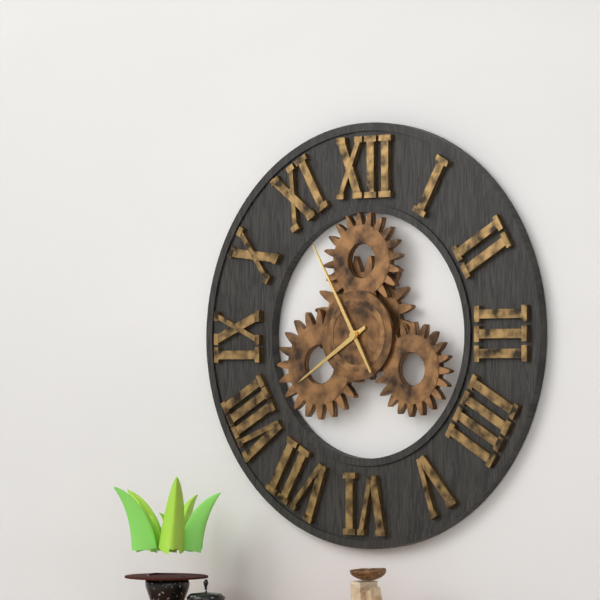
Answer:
7,55
